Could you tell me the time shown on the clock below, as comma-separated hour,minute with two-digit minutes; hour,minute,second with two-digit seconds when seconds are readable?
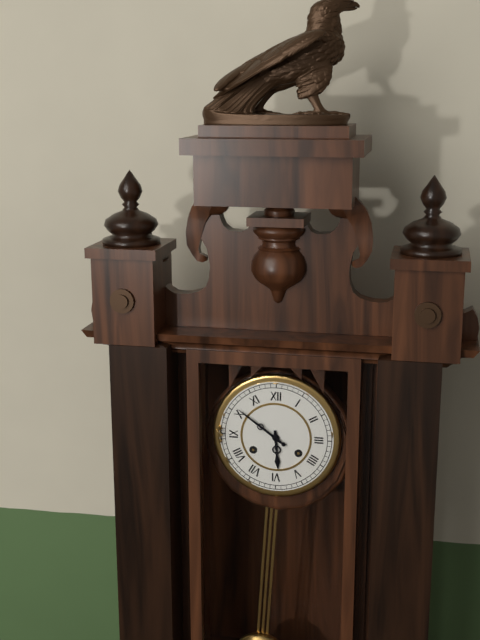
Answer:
5,51
